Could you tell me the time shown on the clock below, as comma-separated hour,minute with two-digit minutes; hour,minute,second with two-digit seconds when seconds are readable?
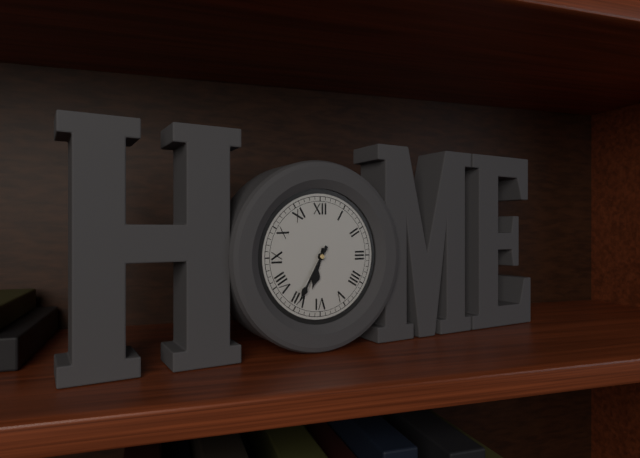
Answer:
6,35
